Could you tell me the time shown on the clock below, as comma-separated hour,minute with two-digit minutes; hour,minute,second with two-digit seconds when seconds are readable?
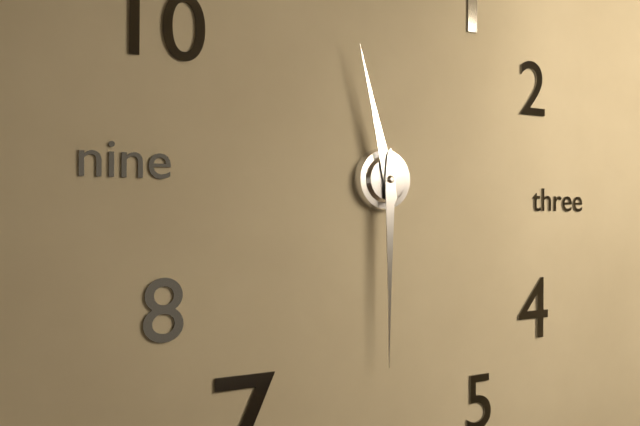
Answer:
11,30
